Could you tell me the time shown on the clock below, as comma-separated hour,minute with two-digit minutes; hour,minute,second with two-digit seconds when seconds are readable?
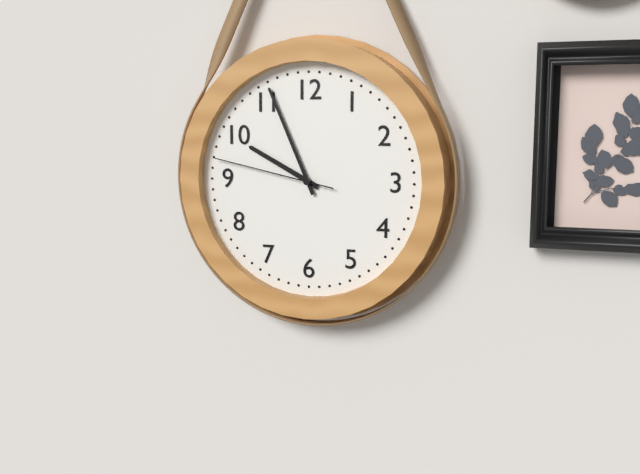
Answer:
9,56,47
